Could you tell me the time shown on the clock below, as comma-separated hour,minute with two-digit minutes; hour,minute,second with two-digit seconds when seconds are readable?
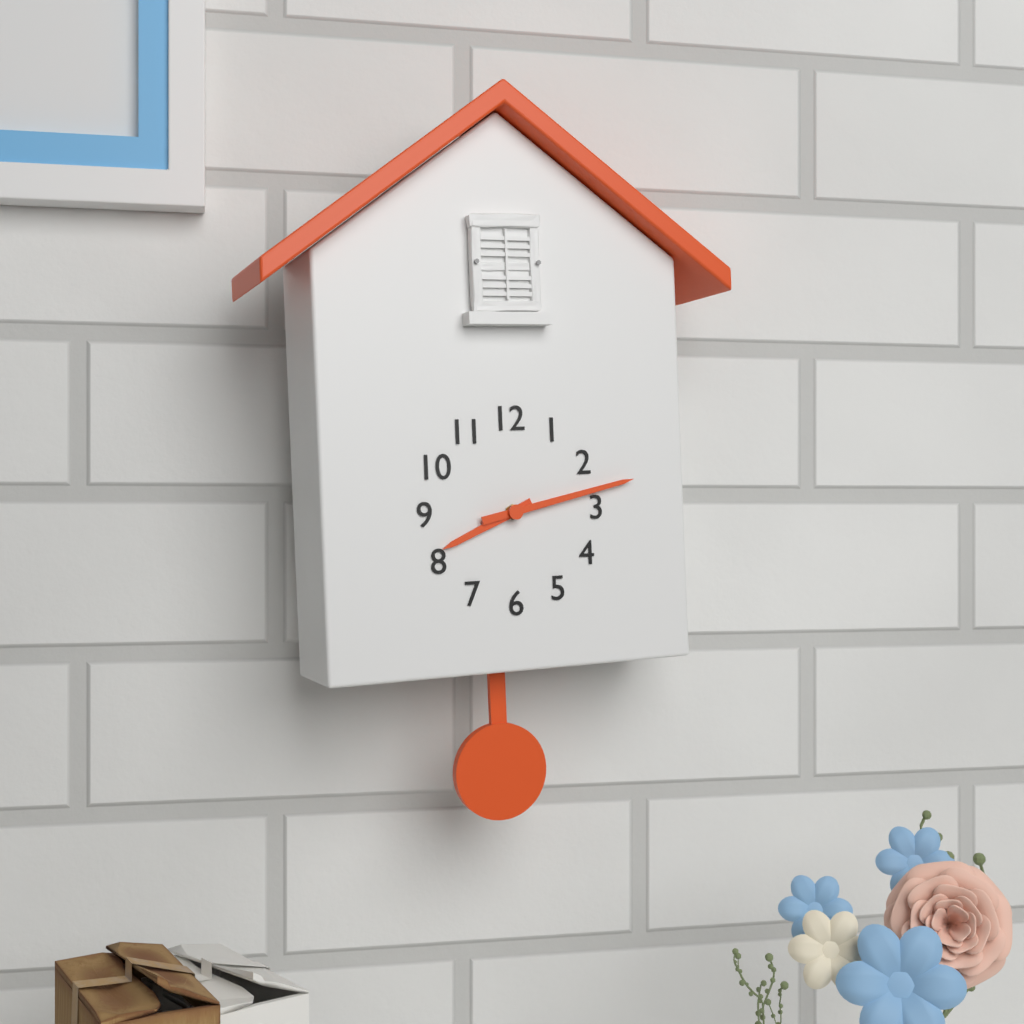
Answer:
8,13
